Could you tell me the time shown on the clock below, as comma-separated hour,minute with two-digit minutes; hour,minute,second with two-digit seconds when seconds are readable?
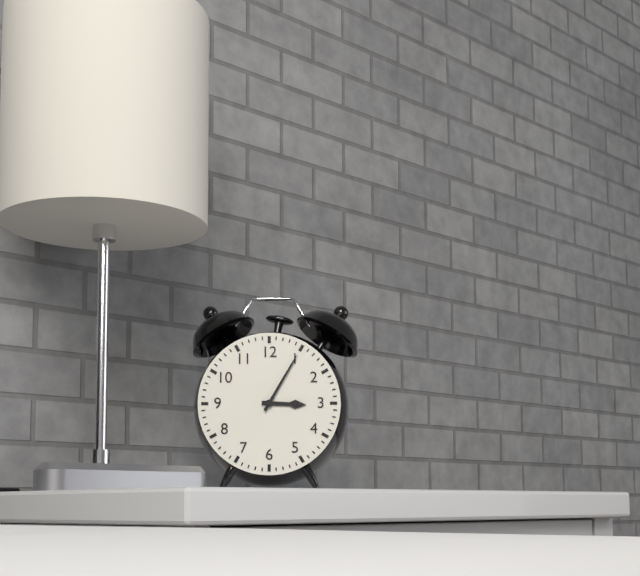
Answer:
3,05
